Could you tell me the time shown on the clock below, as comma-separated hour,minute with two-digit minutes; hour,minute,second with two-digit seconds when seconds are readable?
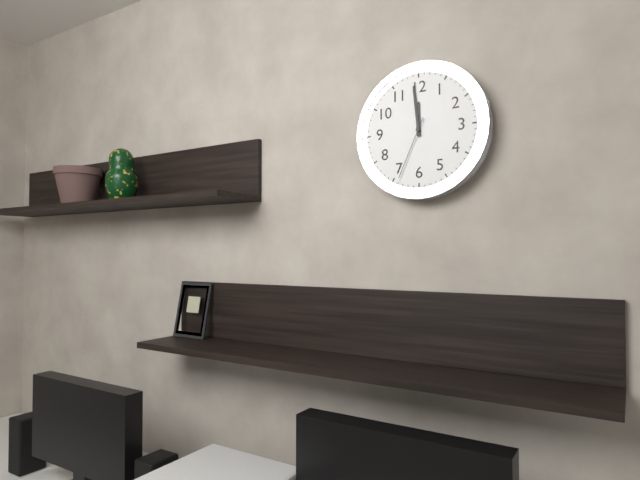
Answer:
11,59,34
